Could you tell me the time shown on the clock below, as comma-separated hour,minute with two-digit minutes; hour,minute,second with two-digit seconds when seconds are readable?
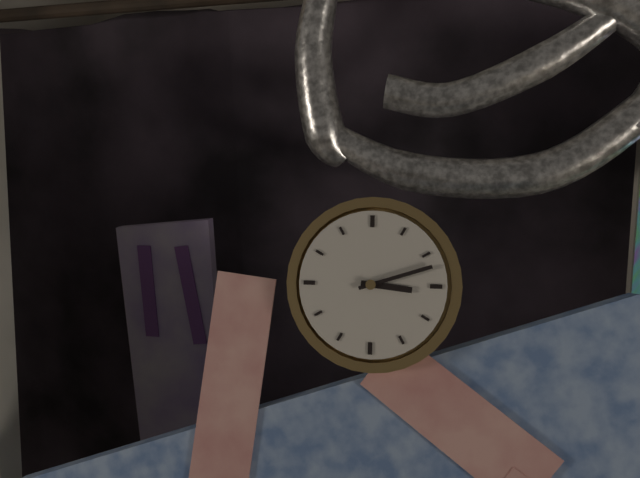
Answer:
3,12
